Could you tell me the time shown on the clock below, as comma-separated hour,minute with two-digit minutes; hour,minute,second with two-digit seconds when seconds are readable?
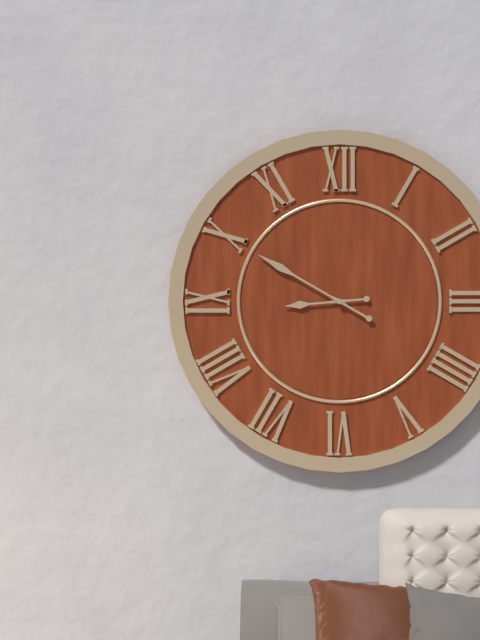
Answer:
8,50
